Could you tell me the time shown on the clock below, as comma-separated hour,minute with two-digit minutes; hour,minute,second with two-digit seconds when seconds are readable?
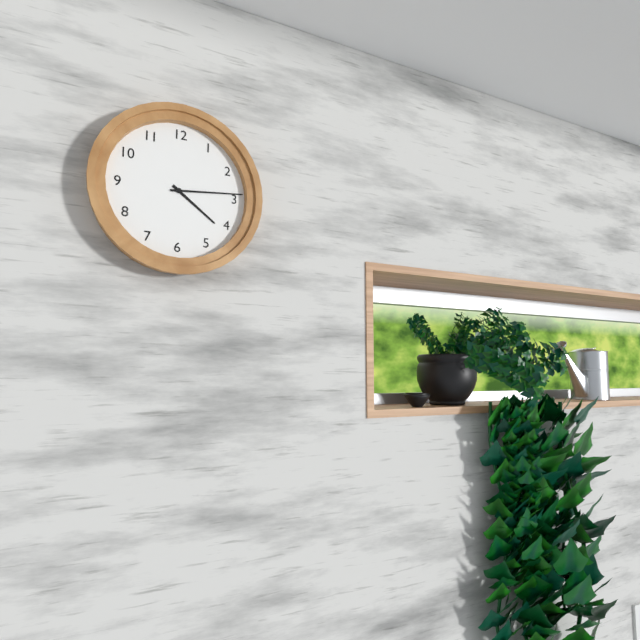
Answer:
4,14
